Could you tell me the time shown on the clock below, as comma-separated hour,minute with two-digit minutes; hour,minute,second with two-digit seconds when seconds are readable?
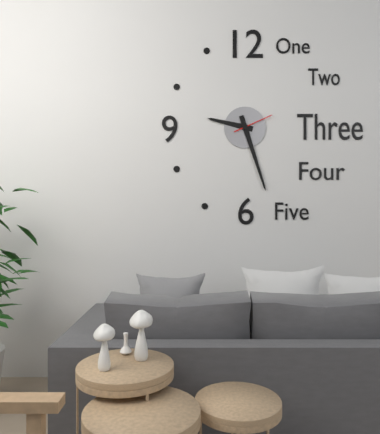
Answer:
9,27
